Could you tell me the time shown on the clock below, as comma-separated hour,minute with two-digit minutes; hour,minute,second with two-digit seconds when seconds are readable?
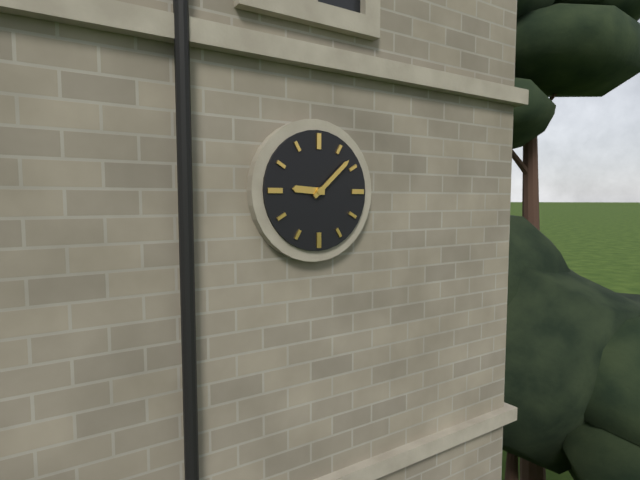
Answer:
9,08
